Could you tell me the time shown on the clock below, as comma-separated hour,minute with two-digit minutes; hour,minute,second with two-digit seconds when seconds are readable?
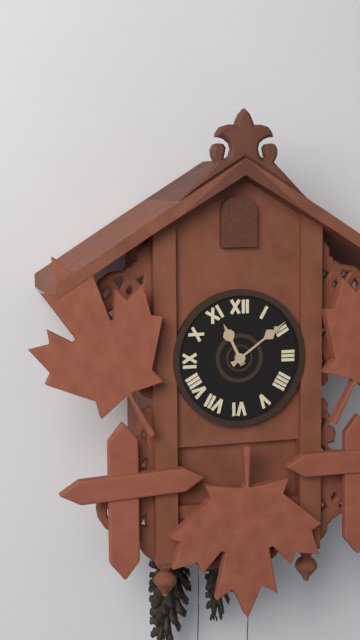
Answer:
11,09
